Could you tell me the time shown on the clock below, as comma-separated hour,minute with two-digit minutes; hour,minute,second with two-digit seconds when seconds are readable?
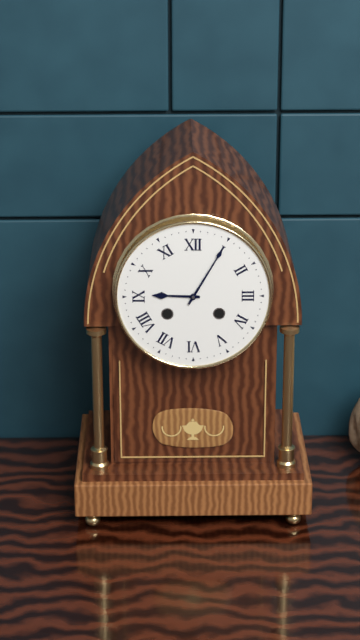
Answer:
9,05
